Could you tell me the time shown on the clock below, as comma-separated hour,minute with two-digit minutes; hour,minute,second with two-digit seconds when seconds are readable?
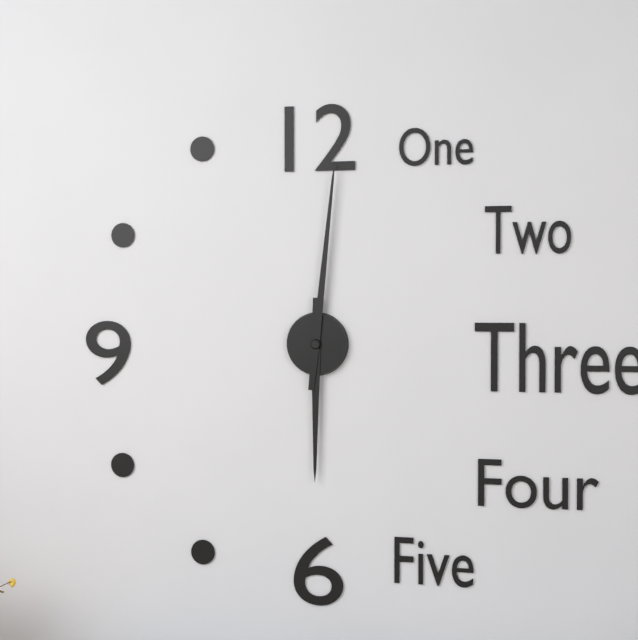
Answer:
6,01
